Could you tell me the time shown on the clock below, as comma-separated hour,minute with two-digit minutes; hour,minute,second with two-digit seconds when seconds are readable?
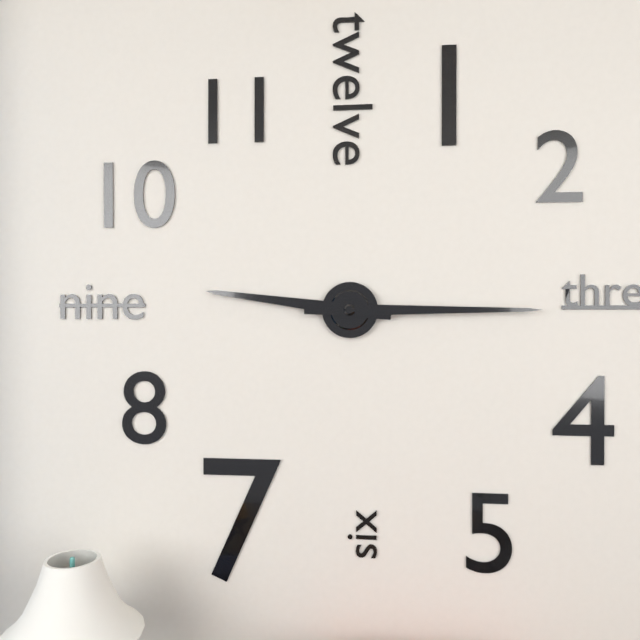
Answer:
9,15
